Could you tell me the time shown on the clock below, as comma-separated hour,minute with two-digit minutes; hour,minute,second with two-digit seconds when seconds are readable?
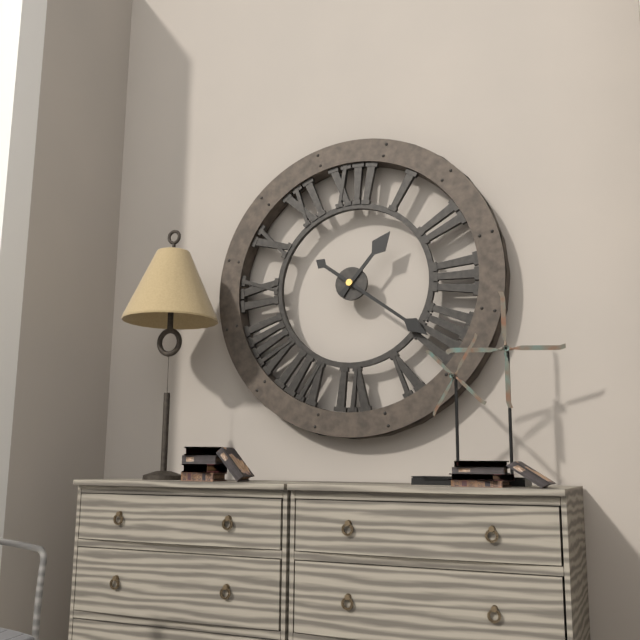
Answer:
1,21
